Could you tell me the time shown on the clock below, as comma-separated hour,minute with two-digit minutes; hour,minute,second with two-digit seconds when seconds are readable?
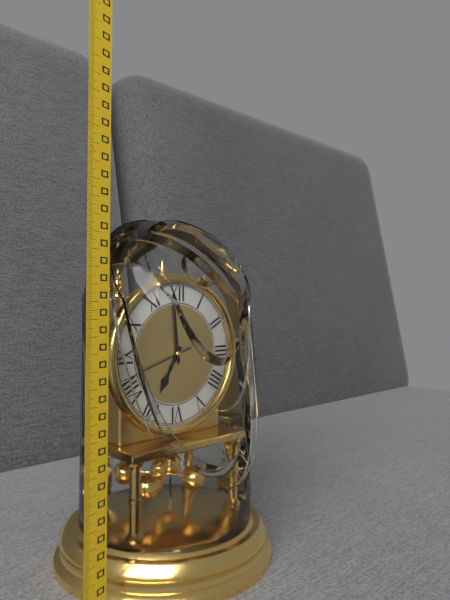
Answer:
6,59,42
